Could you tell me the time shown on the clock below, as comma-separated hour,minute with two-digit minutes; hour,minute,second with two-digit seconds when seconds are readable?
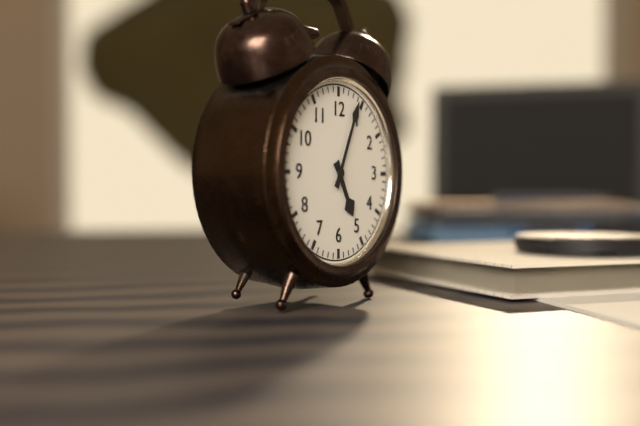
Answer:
5,04
